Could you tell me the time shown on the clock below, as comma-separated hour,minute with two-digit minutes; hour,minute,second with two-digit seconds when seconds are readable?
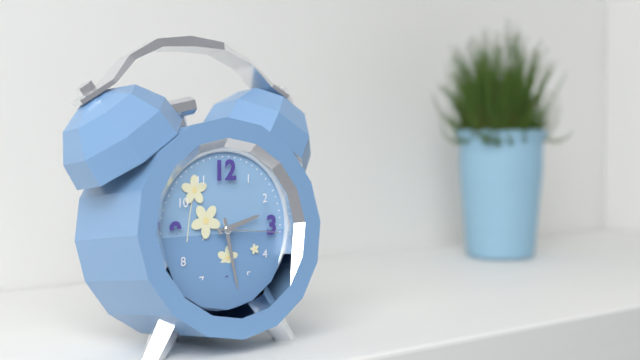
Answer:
2,28,16
